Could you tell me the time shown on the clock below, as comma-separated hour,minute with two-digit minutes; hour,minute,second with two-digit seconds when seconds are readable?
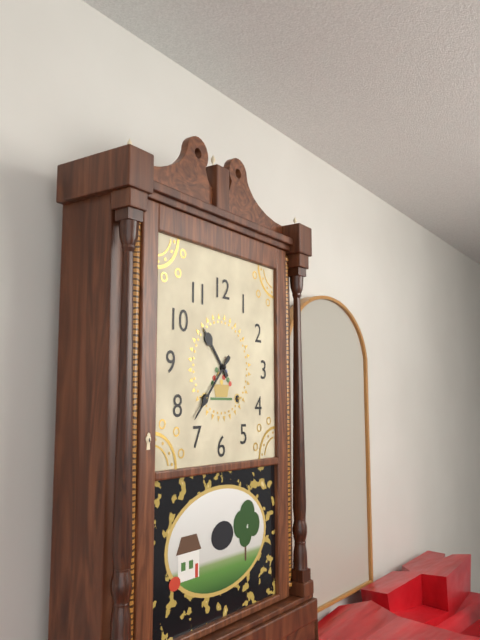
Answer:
10,37
